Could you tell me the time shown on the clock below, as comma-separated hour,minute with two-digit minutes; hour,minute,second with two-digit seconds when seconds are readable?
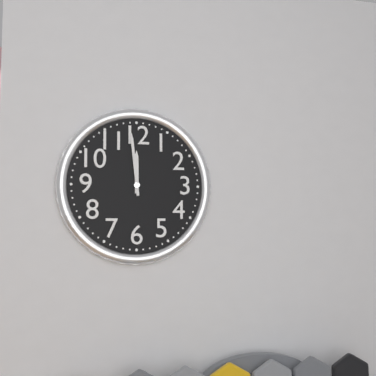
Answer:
11,59
